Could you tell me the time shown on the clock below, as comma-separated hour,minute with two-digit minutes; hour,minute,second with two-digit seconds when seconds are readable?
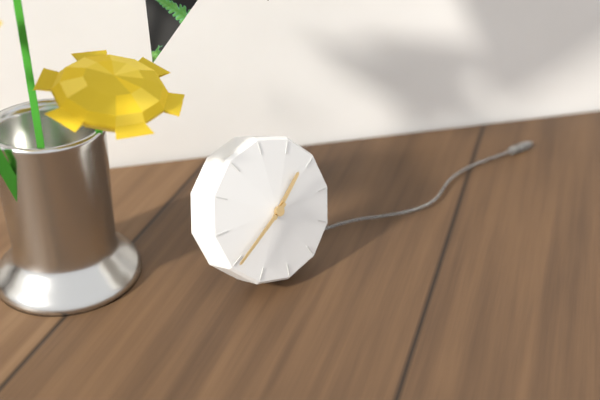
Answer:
1,40
